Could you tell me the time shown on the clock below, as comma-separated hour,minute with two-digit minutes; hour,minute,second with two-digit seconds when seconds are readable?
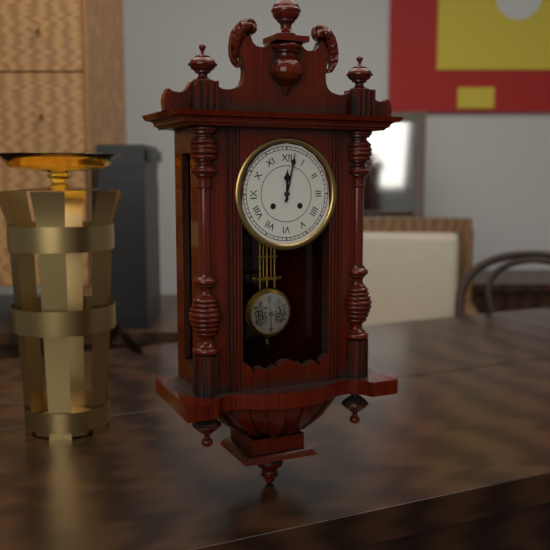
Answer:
12,02
